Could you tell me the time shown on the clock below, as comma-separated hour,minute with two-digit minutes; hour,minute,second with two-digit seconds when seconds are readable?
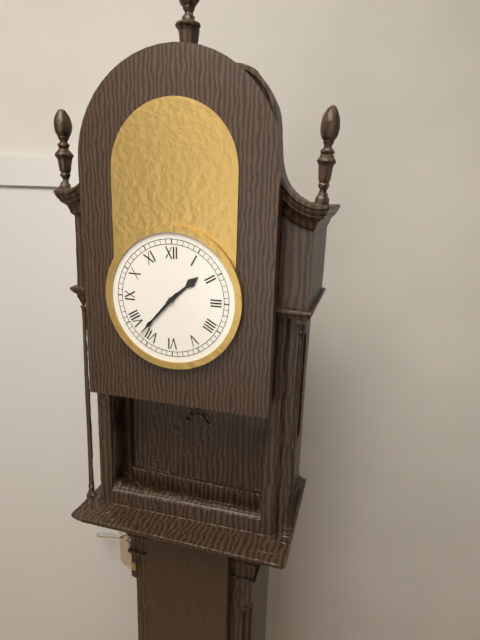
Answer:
1,37
